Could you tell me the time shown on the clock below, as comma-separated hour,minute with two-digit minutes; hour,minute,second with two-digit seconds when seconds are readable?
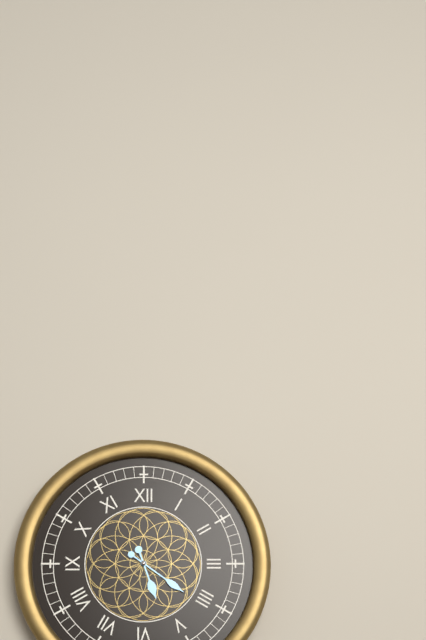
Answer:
5,21
